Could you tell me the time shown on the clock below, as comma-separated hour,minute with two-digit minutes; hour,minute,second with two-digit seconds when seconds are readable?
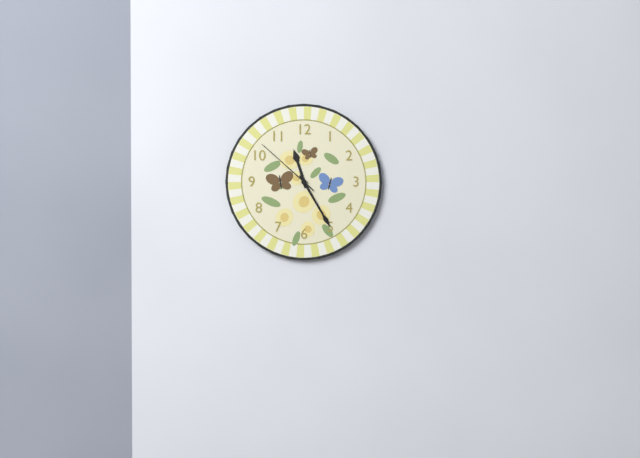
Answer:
11,25,52
